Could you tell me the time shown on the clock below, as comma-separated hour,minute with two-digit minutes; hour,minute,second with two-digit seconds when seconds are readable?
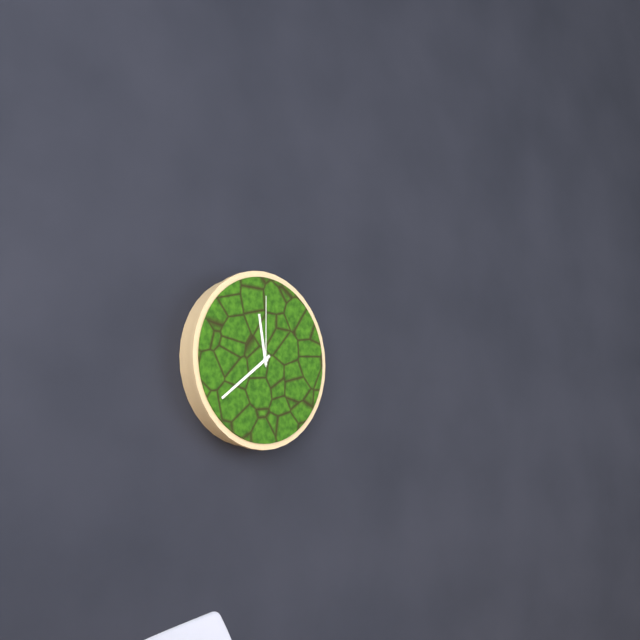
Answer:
11,39,00
